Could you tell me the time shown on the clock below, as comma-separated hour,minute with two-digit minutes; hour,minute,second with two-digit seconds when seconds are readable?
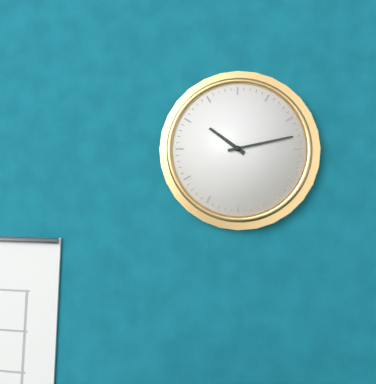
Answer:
10,13
